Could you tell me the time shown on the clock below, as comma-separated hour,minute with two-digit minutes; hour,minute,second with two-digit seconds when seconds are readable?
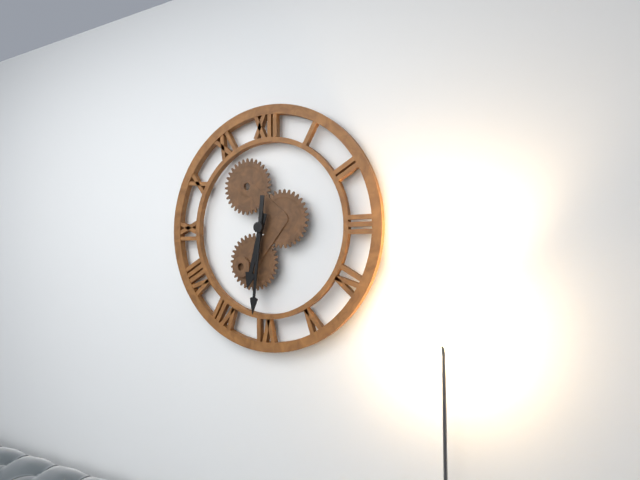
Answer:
6,31
